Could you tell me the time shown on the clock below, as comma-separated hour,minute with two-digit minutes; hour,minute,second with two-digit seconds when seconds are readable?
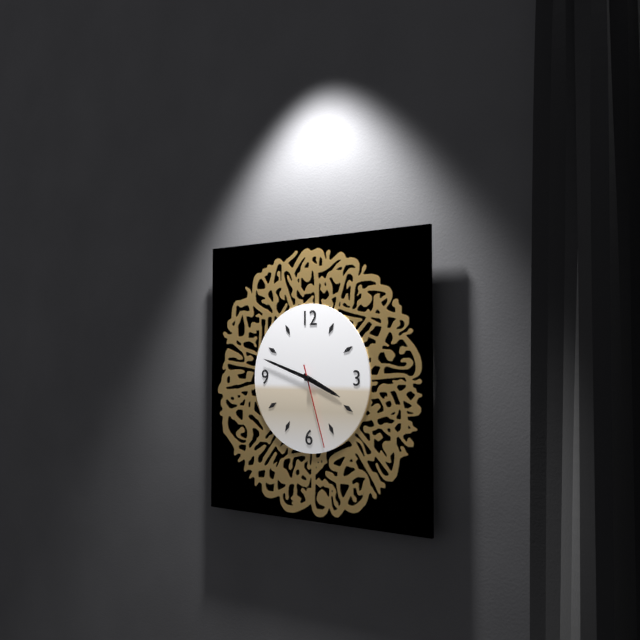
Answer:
3,48,27
